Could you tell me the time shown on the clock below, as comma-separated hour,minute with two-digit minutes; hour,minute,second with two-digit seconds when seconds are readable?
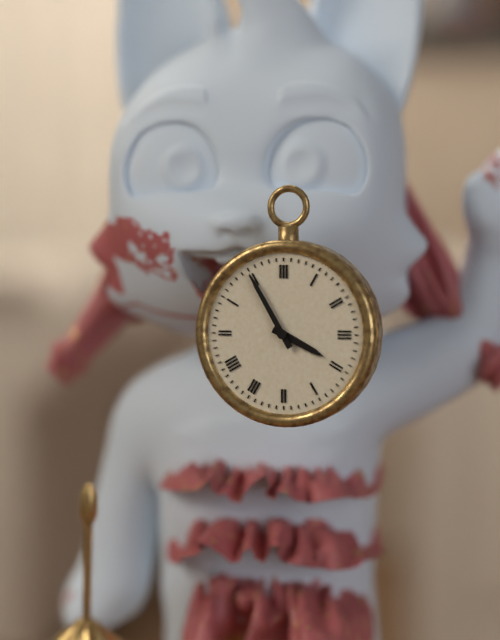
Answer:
3,55
